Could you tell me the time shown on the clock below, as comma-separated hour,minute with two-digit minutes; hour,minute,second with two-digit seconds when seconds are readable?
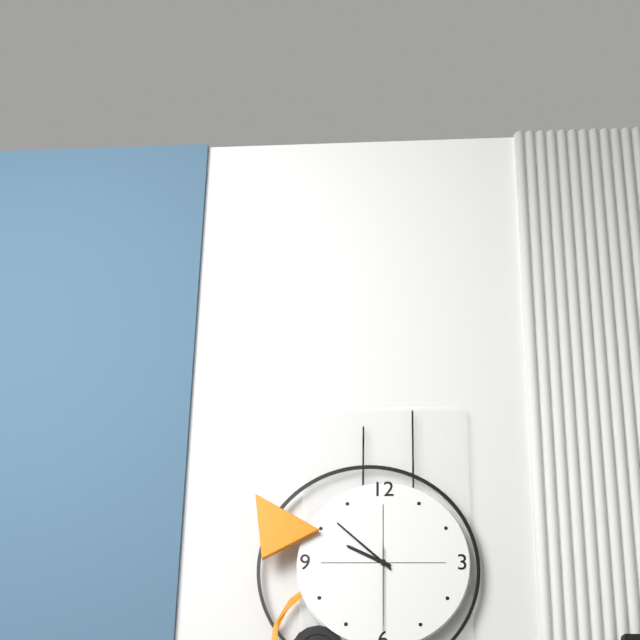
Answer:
9,52,30
